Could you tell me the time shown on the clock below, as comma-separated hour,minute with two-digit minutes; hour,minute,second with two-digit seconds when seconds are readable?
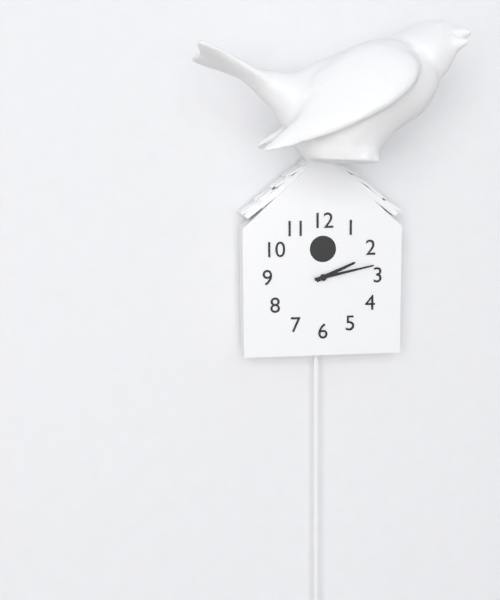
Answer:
2,13
